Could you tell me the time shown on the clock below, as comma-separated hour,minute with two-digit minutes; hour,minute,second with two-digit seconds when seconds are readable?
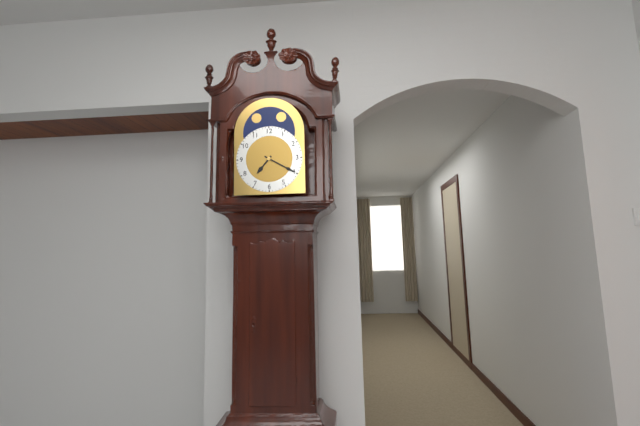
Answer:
7,20
